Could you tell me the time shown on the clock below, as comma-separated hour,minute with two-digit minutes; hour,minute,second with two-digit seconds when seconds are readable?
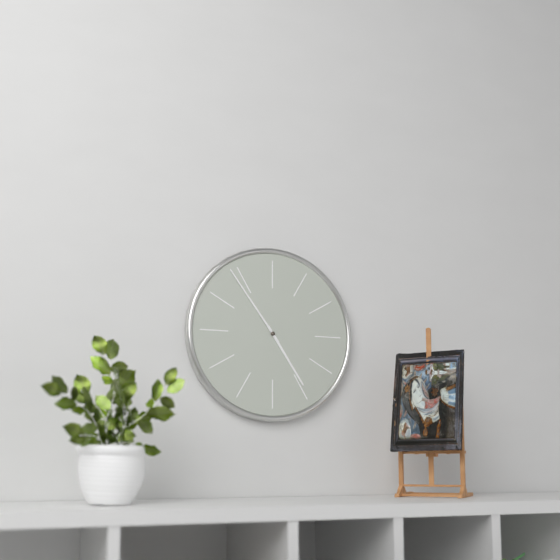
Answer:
4,54
